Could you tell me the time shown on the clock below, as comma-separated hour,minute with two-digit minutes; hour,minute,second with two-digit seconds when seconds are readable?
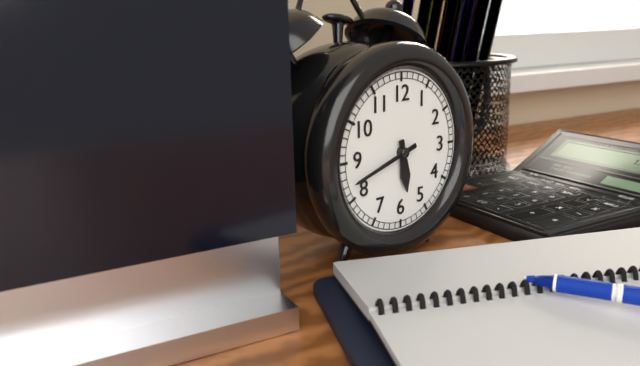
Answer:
5,42
